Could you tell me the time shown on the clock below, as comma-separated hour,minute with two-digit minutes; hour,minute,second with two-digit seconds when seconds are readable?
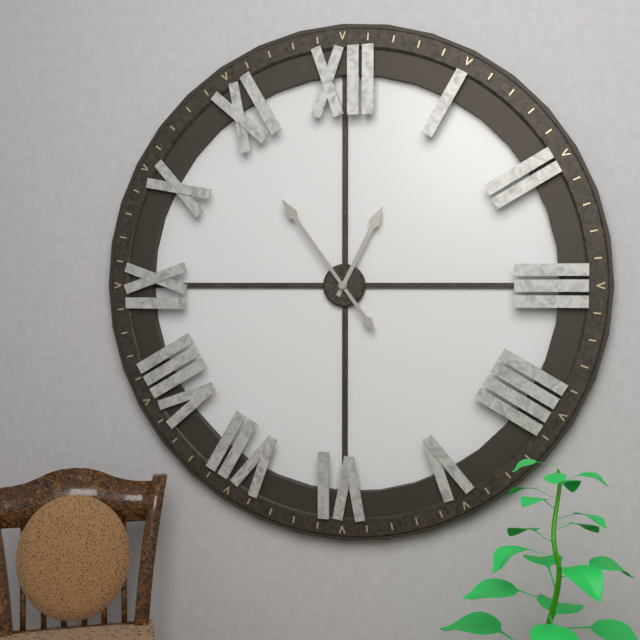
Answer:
12,54
